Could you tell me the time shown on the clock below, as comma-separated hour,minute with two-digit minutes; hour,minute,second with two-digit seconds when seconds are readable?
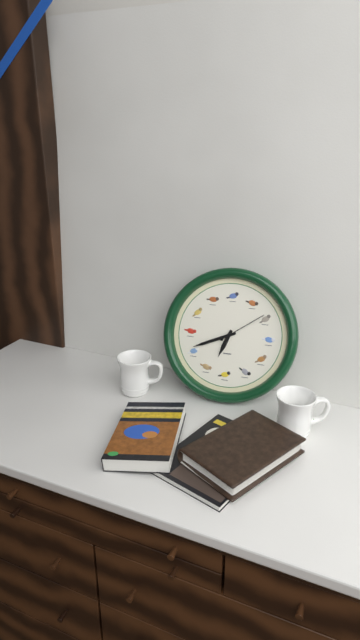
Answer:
6,41,09
